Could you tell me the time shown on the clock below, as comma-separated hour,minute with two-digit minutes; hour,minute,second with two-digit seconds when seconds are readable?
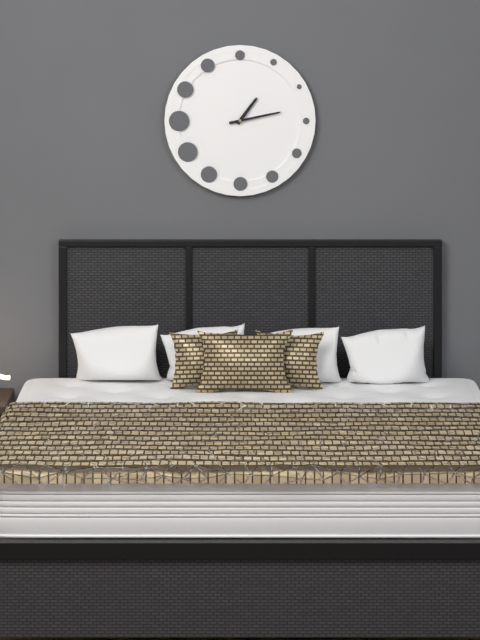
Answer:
1,13
